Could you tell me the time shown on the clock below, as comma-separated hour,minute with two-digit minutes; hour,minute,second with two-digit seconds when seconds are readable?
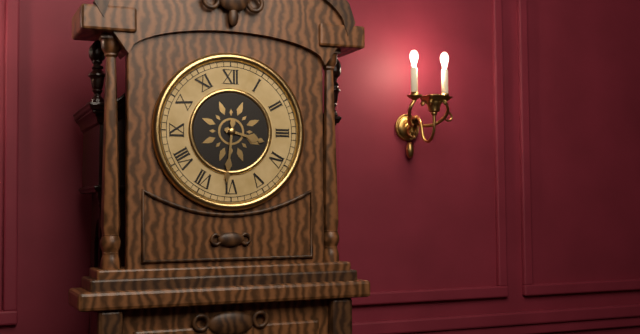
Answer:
3,31
